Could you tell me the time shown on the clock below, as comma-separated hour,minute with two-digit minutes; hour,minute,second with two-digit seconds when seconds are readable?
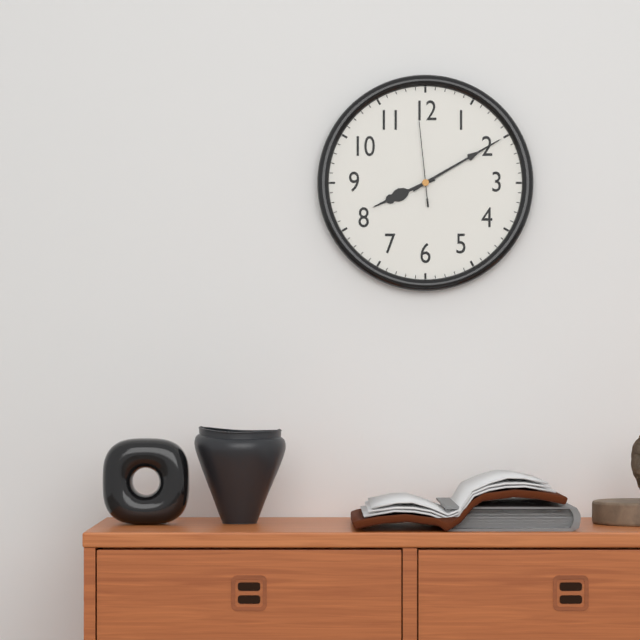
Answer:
8,10,59
